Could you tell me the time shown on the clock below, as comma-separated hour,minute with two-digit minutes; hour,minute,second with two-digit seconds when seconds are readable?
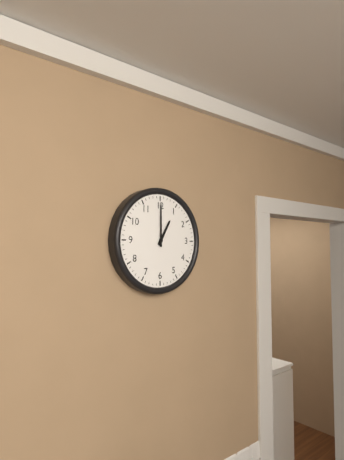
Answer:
1,00
